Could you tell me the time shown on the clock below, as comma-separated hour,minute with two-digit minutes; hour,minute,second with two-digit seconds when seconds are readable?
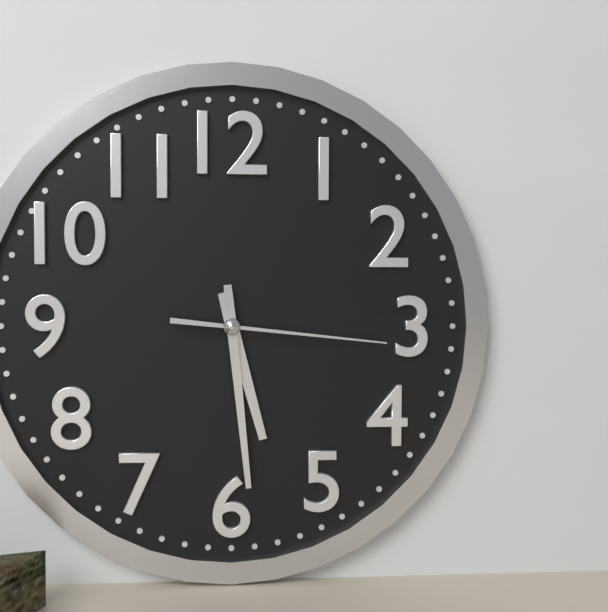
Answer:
5,29,16
